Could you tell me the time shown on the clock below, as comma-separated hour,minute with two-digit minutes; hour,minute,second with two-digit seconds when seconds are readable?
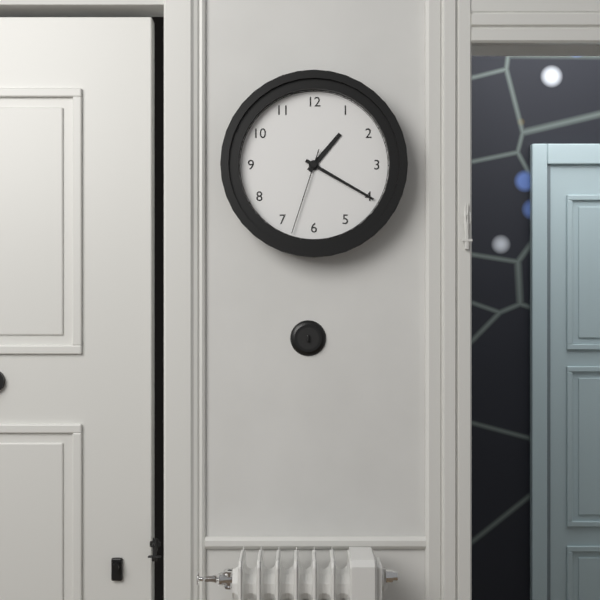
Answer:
1,20,33
